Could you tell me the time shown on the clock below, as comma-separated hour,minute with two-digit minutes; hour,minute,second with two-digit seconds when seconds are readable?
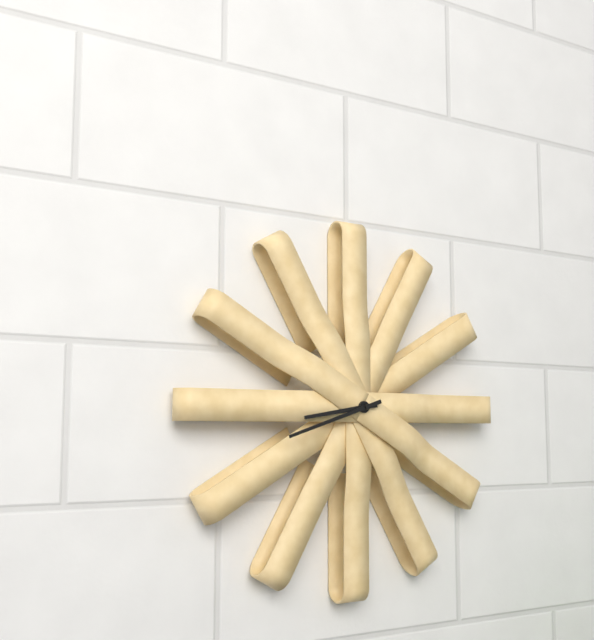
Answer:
8,42
